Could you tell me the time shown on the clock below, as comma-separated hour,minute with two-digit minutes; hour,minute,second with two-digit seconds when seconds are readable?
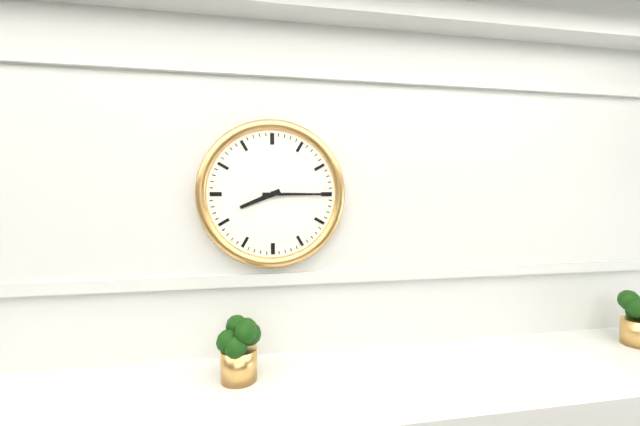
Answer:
8,15
